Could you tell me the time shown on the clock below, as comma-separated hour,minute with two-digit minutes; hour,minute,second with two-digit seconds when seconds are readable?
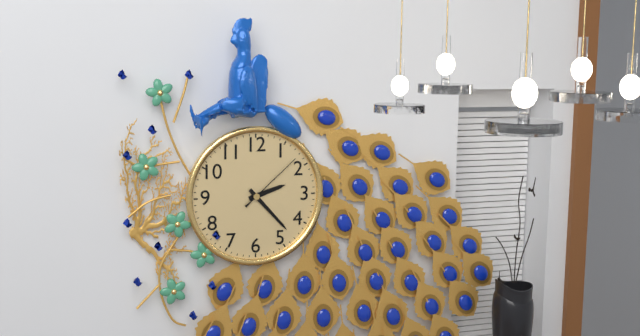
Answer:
2,23,08
